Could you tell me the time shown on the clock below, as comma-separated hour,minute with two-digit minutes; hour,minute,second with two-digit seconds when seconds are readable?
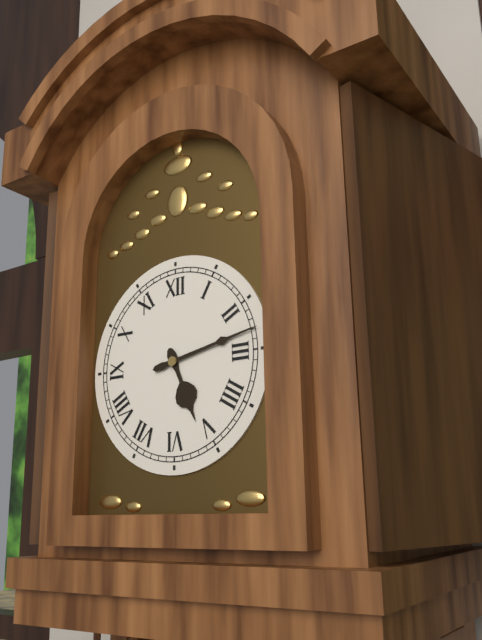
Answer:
5,13
